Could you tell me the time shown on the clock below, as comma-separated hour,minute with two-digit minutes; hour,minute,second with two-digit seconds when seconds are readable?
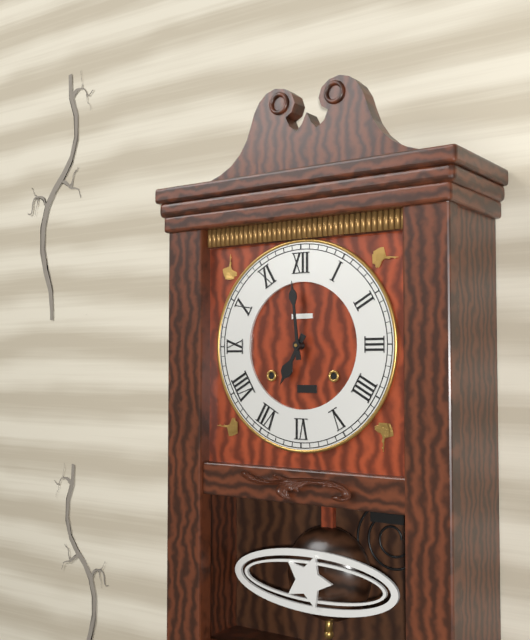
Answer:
6,59
